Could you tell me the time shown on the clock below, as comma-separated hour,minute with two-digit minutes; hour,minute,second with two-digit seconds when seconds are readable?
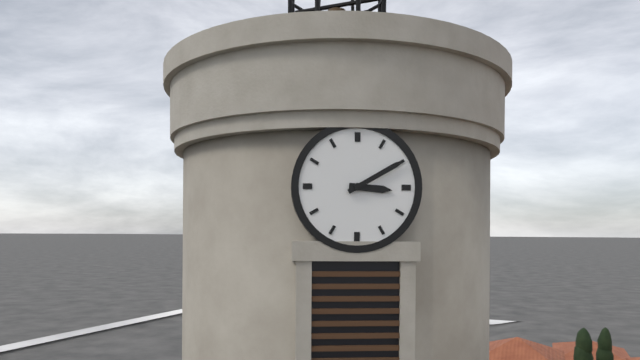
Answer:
3,10
